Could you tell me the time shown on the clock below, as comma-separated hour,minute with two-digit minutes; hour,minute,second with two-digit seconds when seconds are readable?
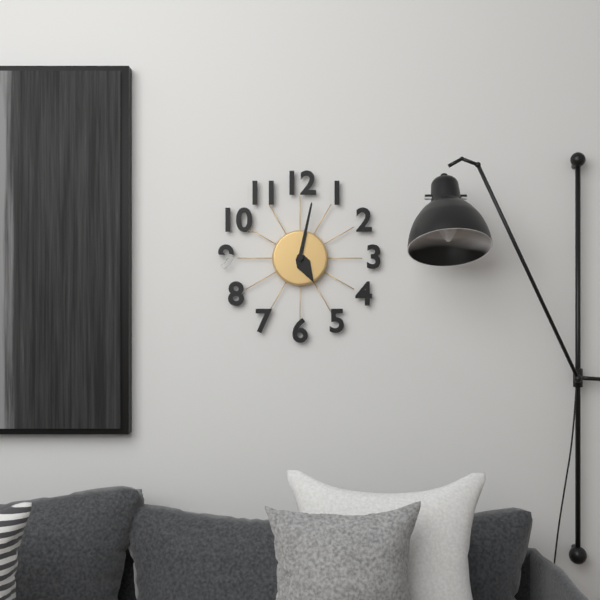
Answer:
5,02
